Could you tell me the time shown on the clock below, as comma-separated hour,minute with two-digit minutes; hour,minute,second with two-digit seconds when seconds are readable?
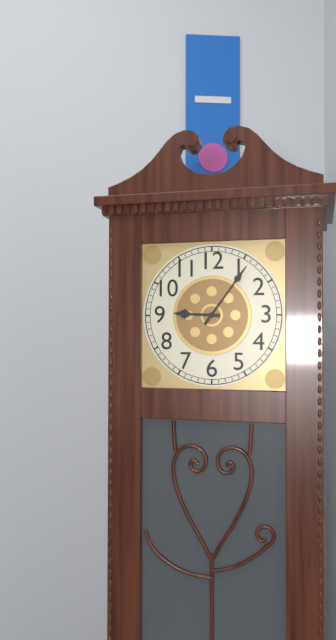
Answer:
9,06
